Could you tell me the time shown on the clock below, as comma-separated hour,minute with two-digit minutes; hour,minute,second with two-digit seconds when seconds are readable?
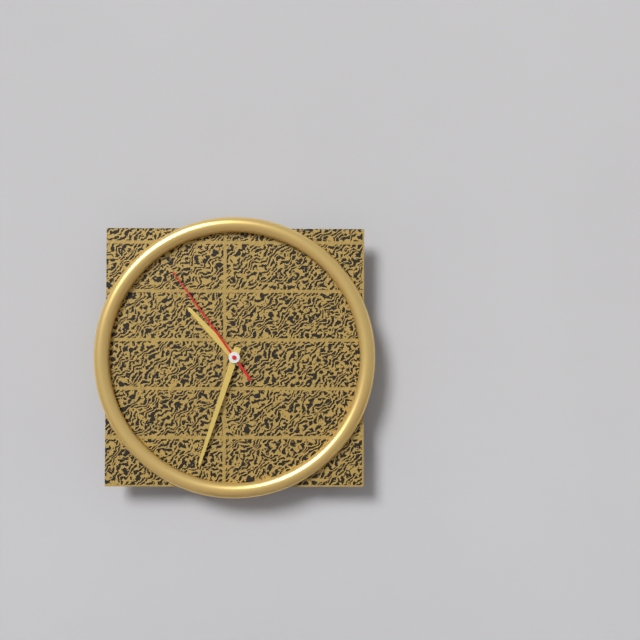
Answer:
10,33,54
